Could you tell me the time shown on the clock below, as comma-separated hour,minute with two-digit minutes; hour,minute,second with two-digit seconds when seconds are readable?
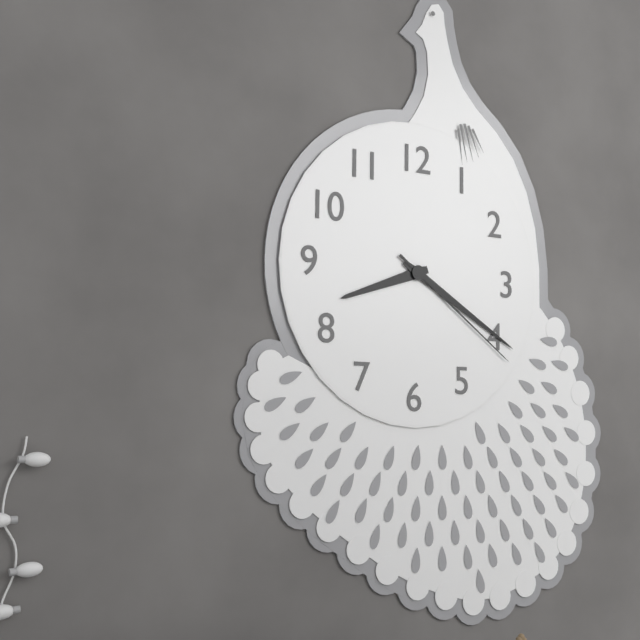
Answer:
8,20,21
